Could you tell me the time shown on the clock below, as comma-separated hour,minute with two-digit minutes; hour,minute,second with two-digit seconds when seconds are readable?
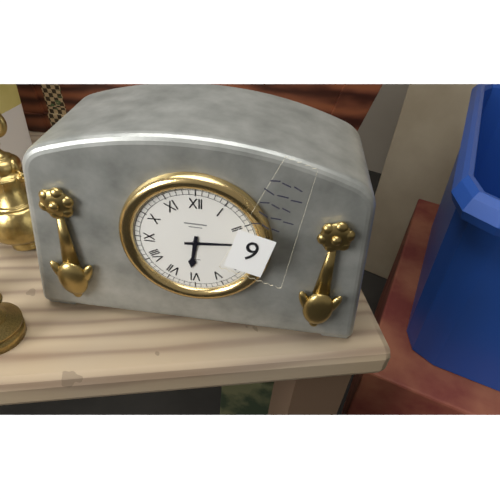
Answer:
6,14
